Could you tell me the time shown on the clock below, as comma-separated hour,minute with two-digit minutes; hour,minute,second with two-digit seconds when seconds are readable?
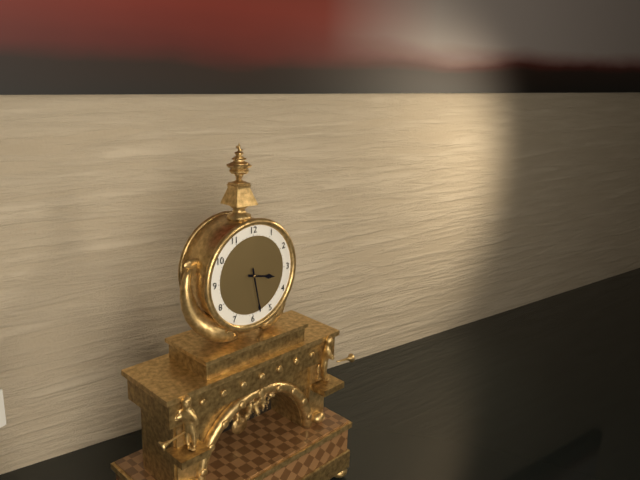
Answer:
3,28
